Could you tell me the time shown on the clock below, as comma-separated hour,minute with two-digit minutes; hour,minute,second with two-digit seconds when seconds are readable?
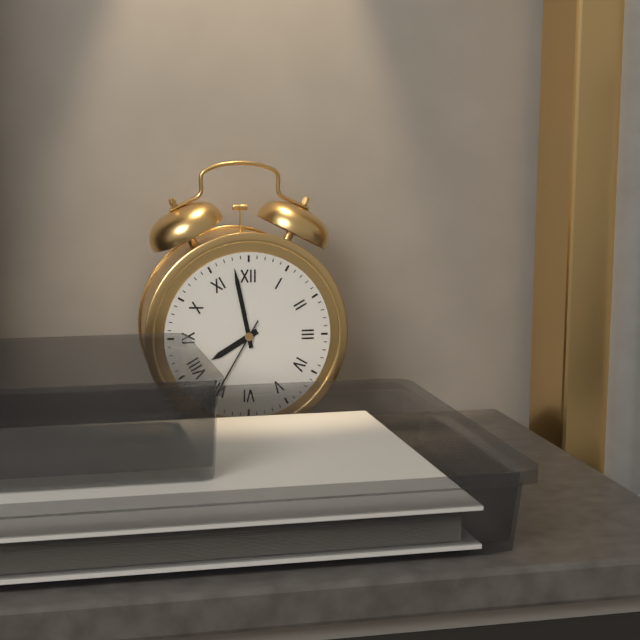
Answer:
7,58
